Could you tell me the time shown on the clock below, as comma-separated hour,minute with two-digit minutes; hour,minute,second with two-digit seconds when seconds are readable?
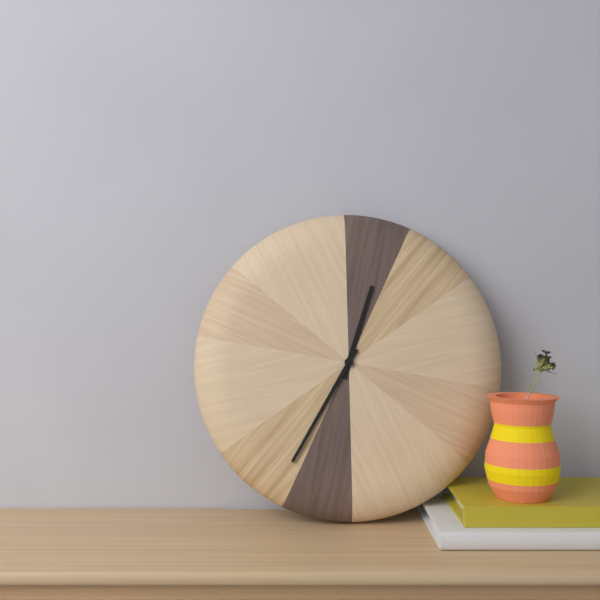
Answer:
12,35
